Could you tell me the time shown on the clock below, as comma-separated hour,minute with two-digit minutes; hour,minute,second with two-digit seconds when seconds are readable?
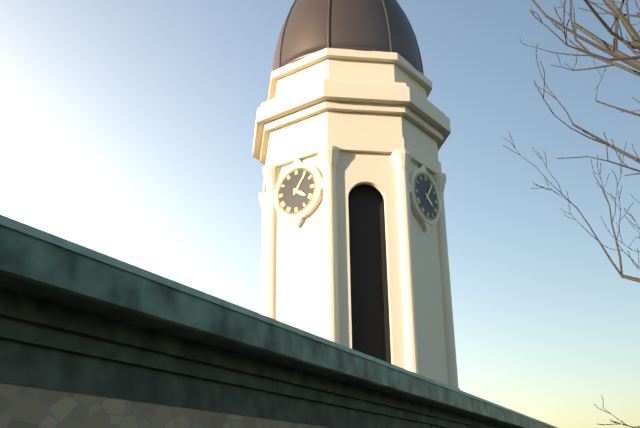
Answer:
4,06
